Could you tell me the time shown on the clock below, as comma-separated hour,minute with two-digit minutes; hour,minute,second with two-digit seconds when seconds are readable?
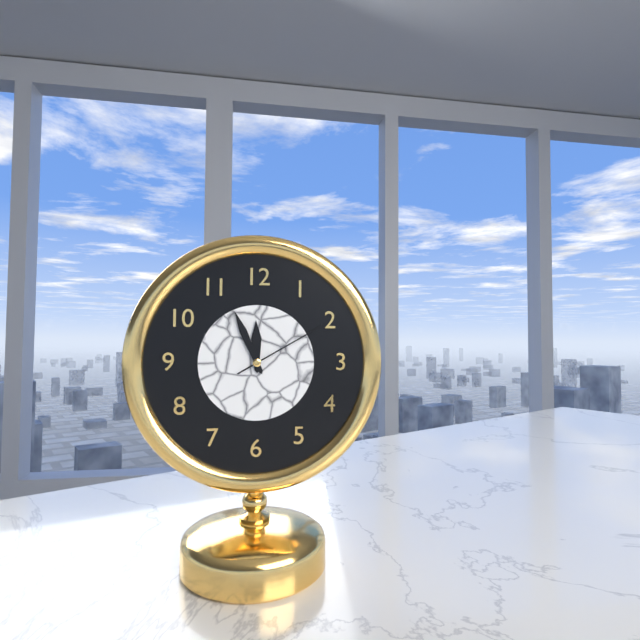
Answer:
11,56,10
